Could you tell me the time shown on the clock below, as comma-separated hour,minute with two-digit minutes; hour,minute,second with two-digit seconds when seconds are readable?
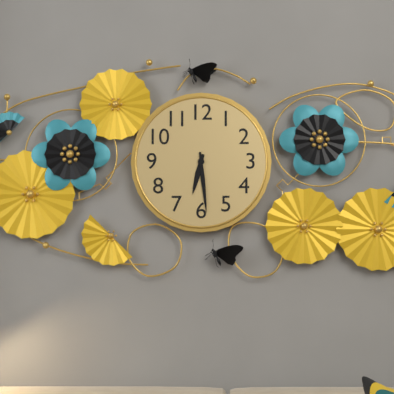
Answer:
6,29
